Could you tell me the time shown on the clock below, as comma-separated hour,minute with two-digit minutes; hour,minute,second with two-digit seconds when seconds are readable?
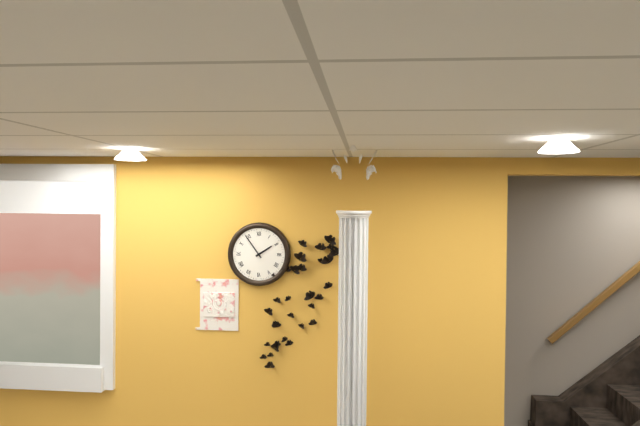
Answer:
1,54
